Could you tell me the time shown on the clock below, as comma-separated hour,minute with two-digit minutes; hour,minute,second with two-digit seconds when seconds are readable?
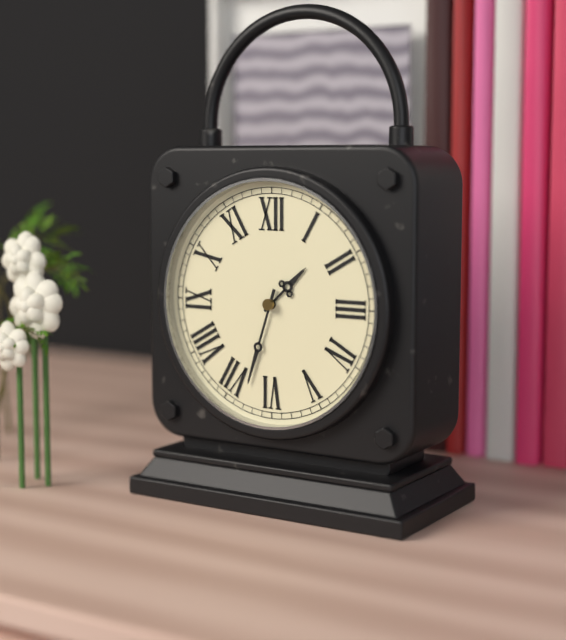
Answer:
1,33
